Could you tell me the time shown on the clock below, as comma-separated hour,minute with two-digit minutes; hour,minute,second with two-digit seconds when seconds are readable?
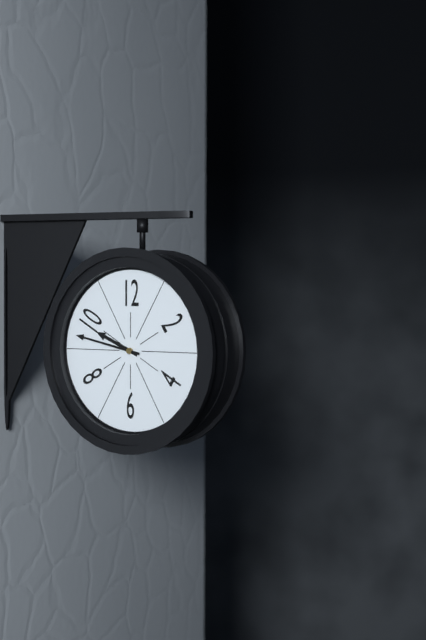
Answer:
9,47
